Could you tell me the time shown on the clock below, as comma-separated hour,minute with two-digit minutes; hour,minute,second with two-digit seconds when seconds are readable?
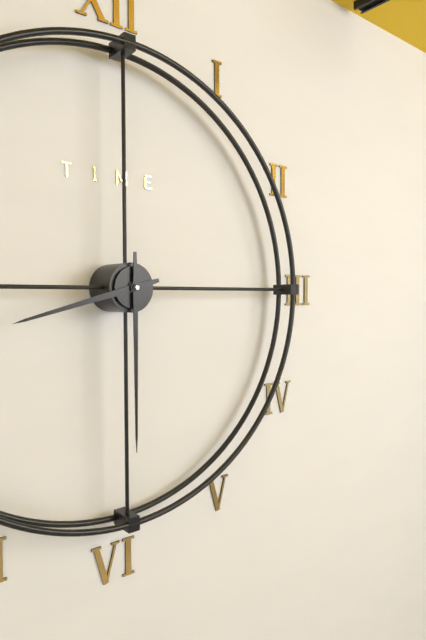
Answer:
8,30
